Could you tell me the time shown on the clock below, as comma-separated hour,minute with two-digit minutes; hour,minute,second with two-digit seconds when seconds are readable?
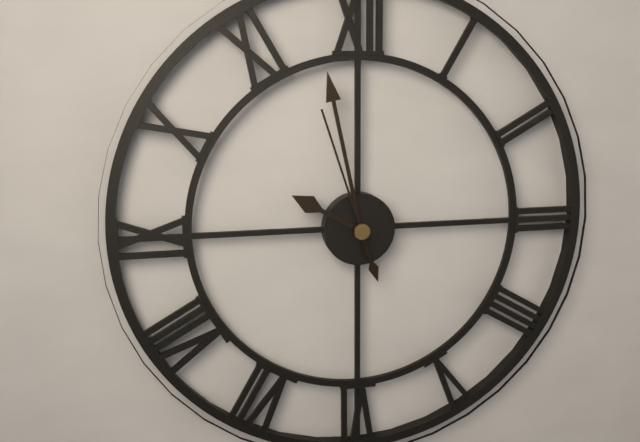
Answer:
9,58,57
